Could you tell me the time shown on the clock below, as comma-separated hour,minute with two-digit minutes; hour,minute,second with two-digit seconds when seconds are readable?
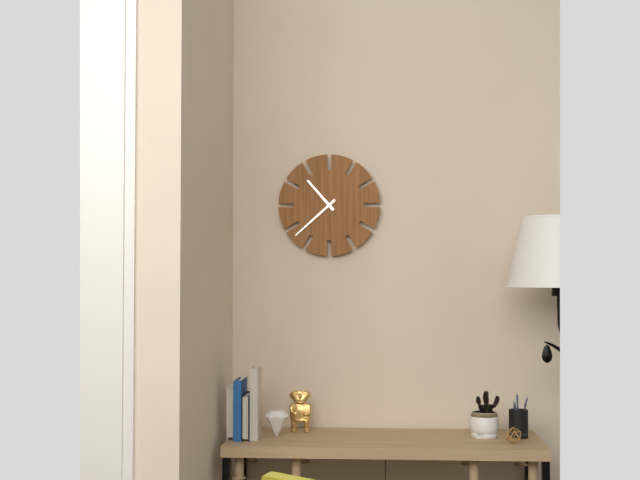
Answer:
10,38
